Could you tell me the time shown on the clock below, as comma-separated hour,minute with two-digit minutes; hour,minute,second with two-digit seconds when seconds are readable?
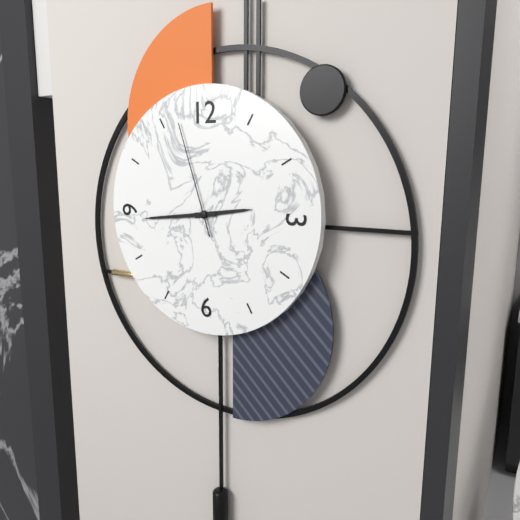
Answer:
2,44,57
